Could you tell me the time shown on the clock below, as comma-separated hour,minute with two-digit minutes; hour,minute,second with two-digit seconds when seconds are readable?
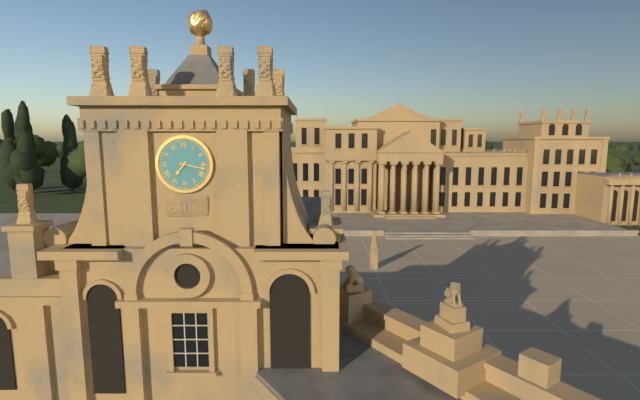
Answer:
7,17
